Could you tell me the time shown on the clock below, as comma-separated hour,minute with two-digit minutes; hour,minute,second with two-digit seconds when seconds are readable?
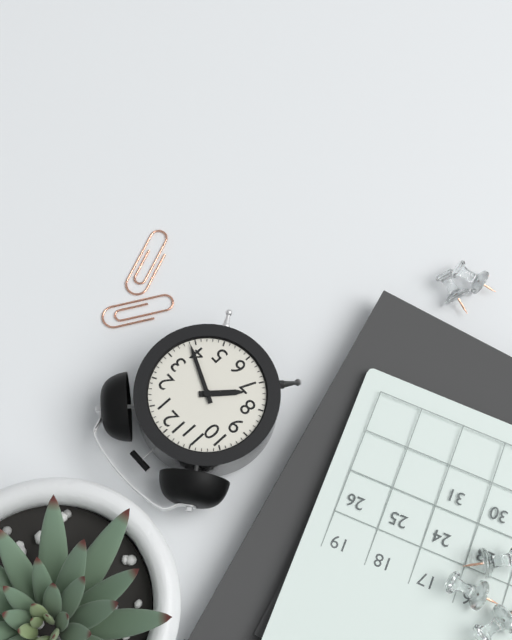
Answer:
7,19
